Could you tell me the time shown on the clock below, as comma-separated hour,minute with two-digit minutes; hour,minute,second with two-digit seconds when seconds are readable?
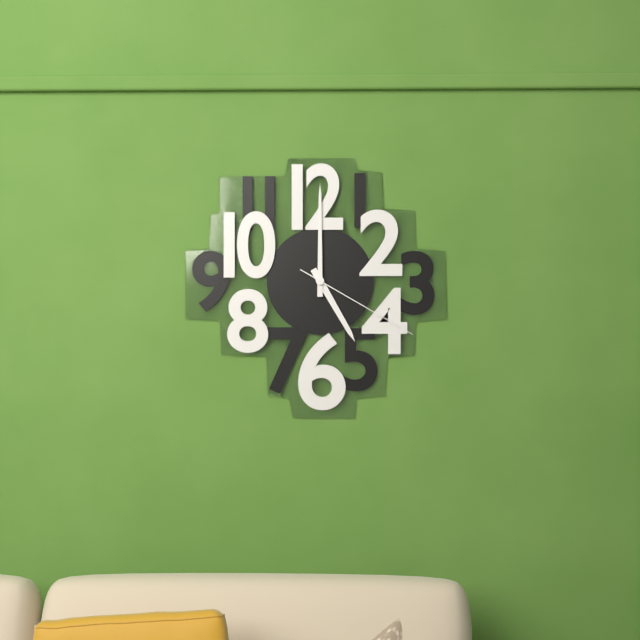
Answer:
5,00,20
